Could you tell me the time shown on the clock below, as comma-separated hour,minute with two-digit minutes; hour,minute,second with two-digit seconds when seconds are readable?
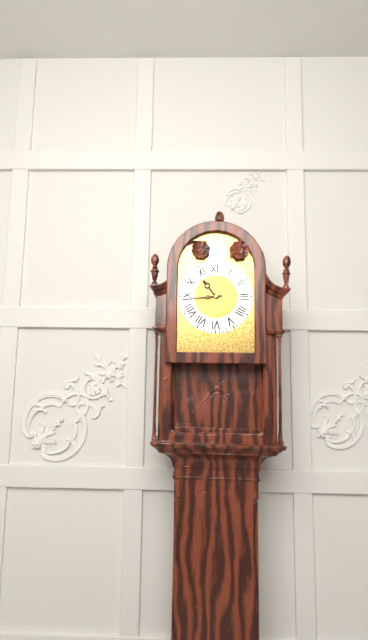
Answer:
10,44
